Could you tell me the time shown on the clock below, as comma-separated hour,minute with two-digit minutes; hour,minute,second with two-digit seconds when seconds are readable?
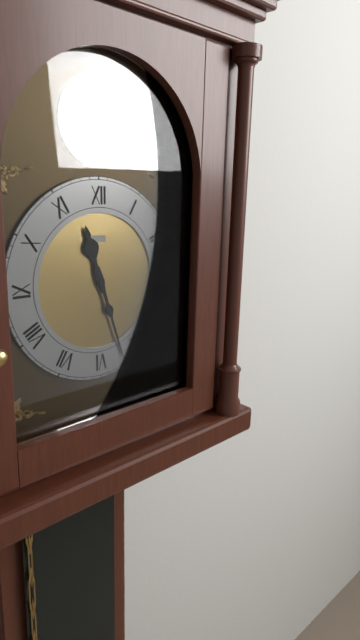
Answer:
11,27
